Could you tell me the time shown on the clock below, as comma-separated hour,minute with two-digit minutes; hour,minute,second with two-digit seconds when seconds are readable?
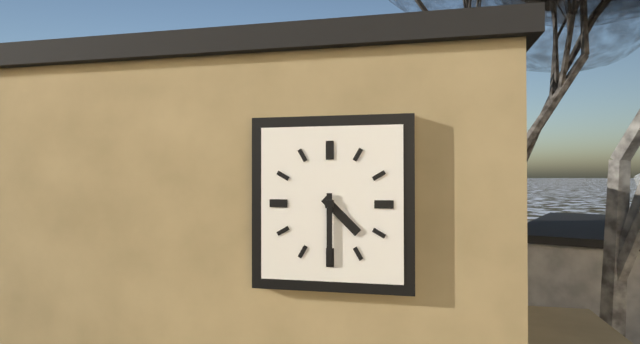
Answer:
4,30
